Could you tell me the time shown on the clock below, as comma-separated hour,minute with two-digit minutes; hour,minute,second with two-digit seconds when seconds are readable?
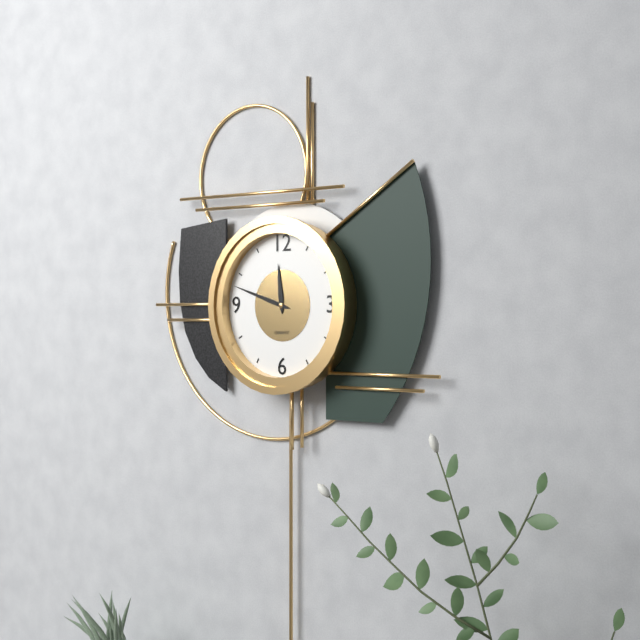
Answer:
11,48
